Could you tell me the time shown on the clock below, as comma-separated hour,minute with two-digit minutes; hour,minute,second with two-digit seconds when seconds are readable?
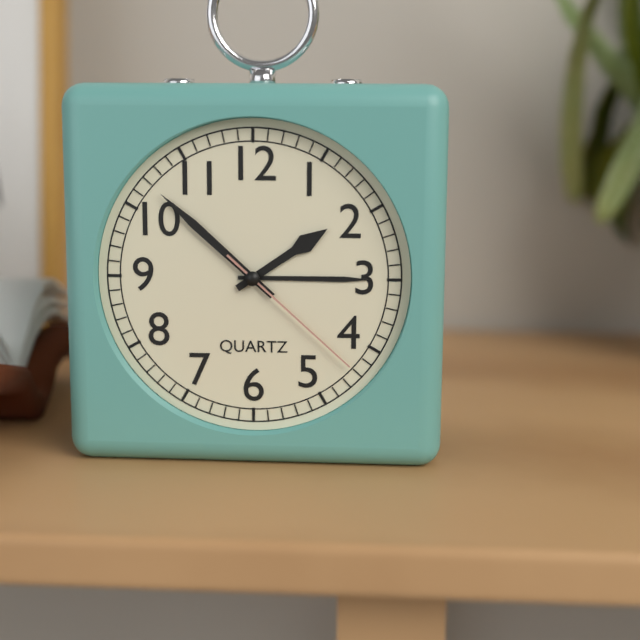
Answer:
1,52,22
